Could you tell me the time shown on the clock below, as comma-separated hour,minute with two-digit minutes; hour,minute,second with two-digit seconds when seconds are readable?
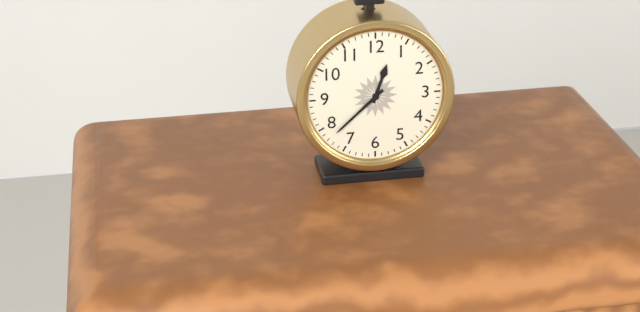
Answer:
12,38
